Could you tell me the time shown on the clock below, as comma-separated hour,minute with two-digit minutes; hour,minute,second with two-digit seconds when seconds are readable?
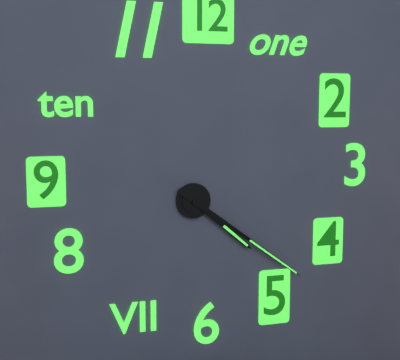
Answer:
4,21
